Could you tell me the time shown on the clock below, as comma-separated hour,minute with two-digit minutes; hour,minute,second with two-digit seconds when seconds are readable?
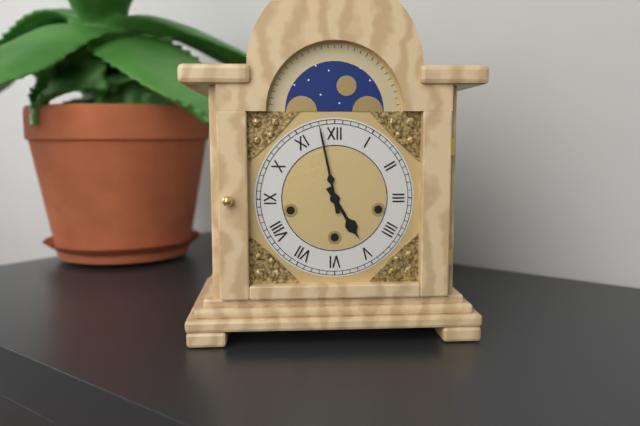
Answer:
4,58
